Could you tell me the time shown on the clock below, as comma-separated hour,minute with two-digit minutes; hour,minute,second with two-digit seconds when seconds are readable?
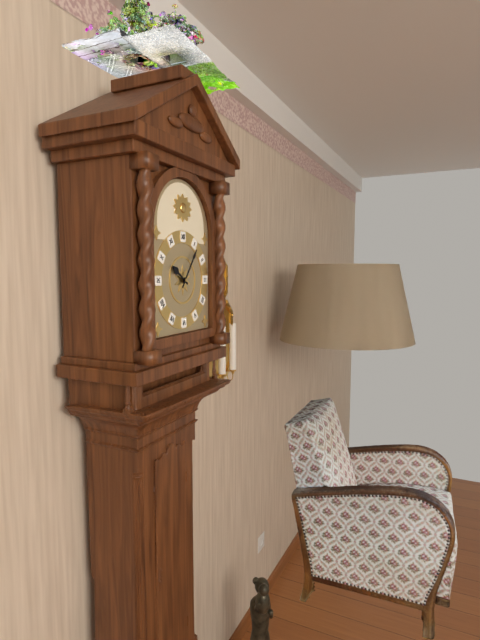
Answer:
10,06
